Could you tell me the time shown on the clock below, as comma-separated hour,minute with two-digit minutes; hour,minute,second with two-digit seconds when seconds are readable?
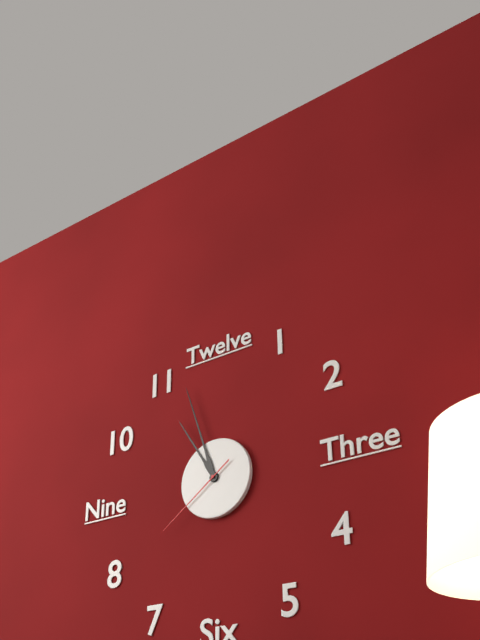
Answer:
10,57,39
